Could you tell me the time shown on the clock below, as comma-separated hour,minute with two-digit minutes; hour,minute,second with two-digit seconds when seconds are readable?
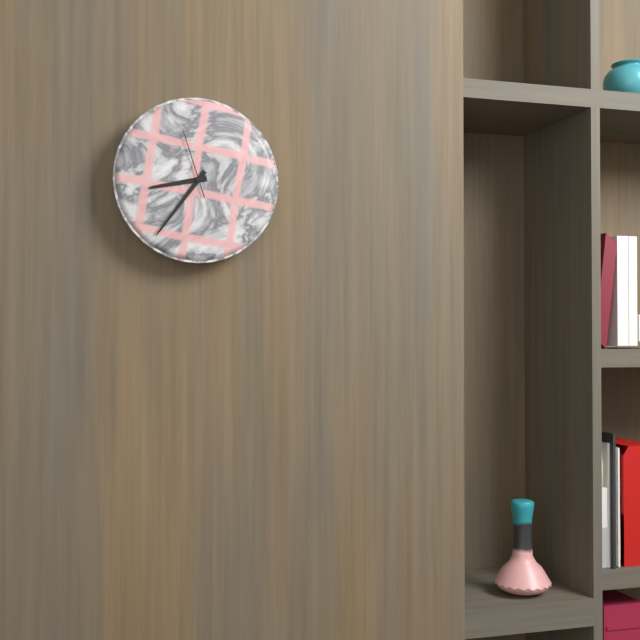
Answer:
8,36,57
